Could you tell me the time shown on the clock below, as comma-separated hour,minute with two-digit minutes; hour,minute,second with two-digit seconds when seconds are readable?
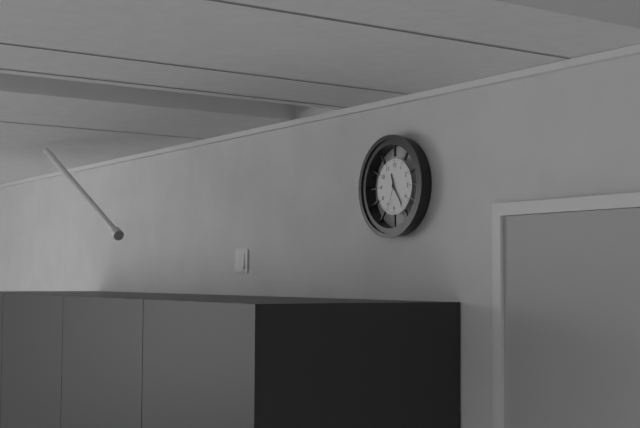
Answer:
11,24
